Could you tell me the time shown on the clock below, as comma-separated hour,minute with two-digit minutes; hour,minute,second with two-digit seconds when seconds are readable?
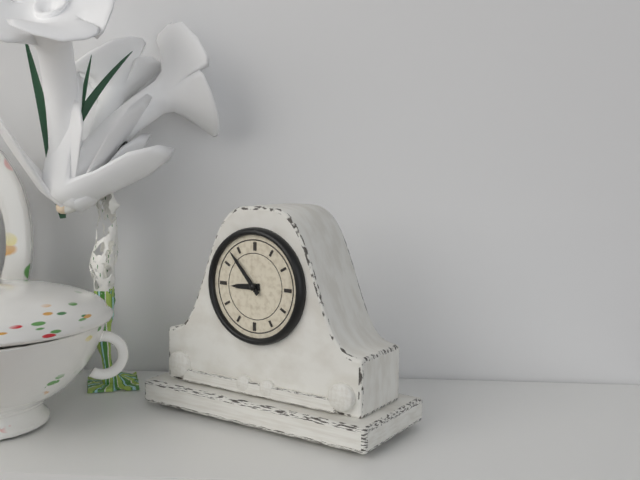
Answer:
8,53
